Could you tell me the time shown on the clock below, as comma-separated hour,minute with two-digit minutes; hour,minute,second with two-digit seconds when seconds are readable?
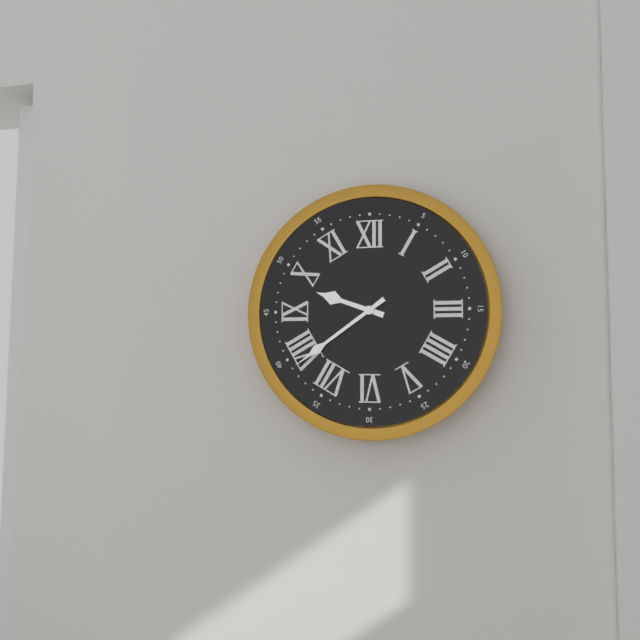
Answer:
9,39
